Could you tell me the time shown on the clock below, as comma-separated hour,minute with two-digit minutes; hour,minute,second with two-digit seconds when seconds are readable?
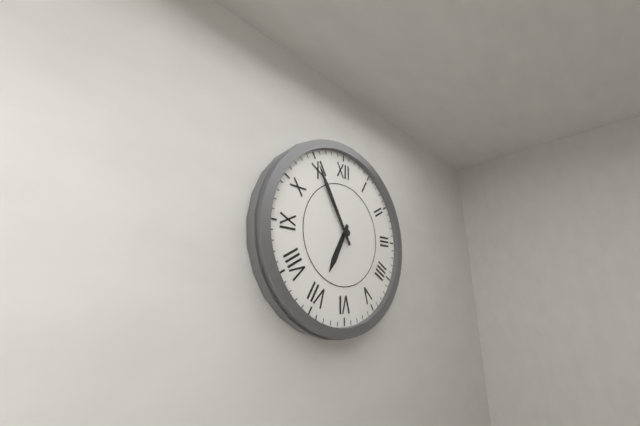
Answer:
6,55
